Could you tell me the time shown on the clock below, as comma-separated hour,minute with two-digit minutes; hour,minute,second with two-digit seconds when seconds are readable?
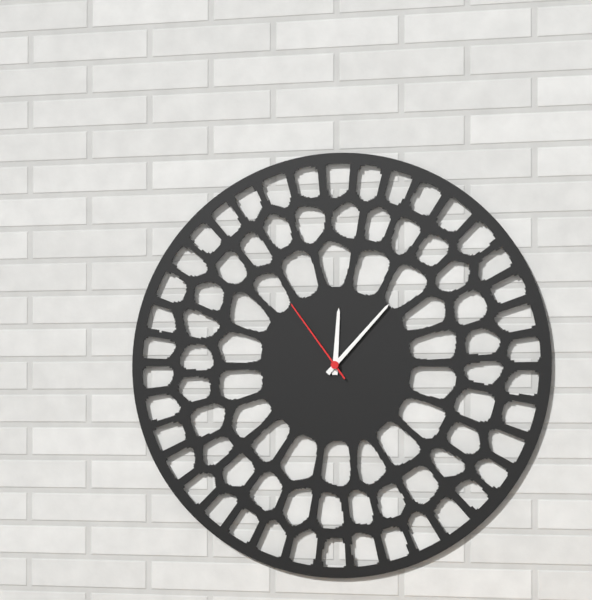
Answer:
12,07,54
